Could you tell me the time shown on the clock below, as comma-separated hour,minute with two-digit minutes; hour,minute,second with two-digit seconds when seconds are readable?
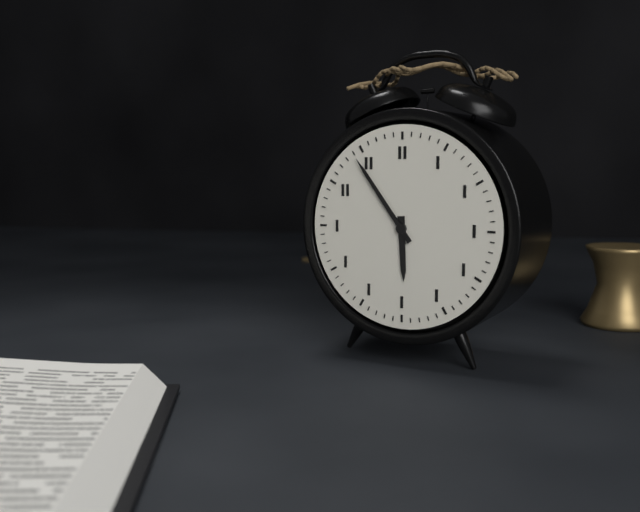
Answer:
5,54
